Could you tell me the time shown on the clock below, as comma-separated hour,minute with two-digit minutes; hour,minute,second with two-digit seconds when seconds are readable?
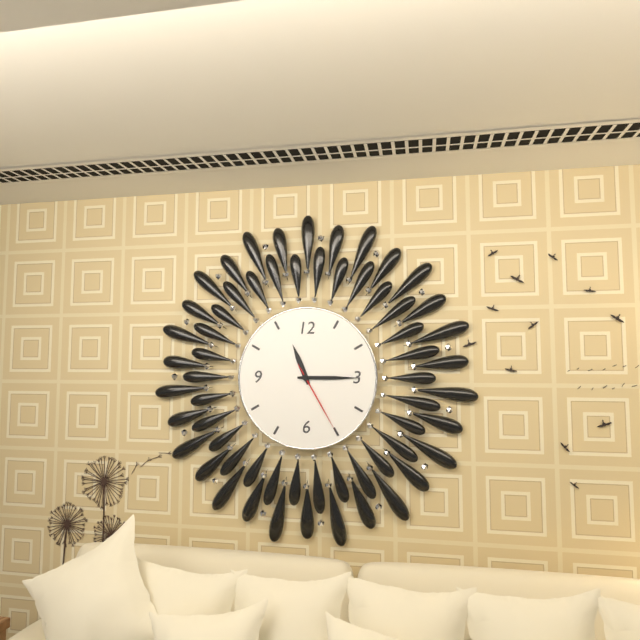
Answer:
11,15,25
